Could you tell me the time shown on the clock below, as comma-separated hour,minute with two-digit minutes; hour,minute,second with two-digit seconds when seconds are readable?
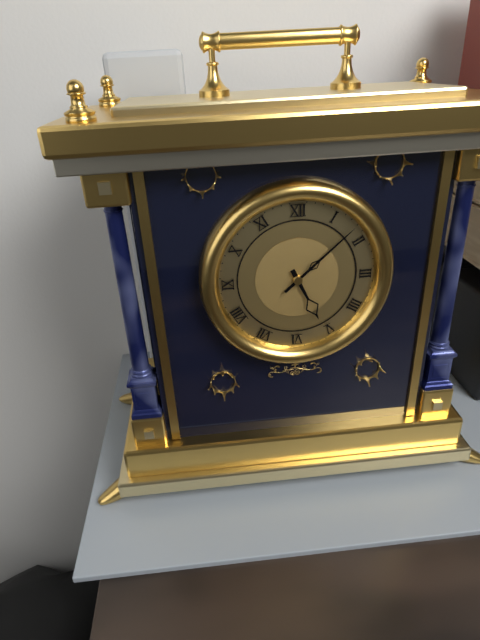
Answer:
5,08
